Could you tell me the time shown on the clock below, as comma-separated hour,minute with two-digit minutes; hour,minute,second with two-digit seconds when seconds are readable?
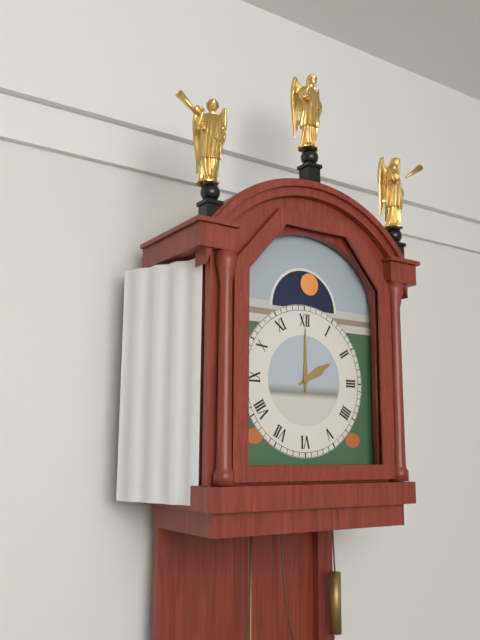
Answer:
2,00
